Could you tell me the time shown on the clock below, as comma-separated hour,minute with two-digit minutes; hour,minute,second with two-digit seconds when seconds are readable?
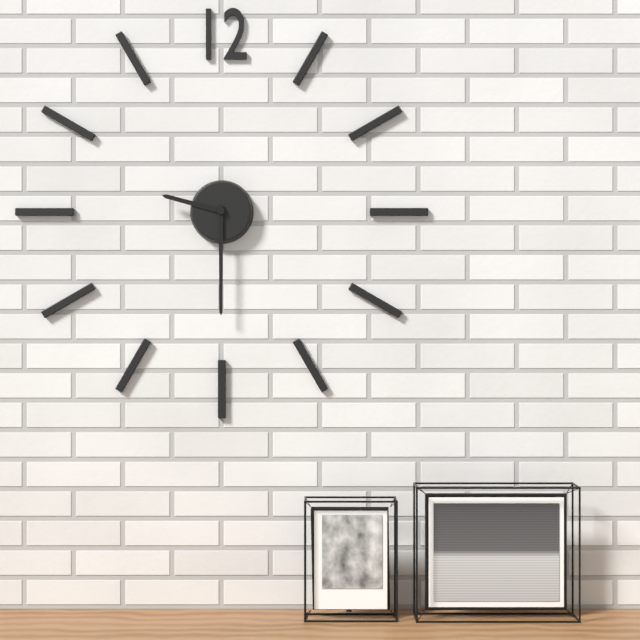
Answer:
9,30
